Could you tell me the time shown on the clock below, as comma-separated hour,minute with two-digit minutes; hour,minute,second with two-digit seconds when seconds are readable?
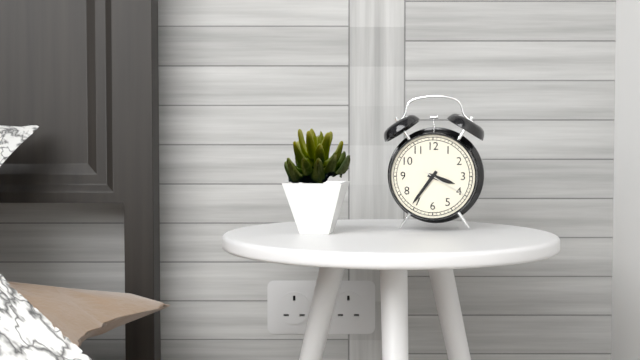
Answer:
3,36
